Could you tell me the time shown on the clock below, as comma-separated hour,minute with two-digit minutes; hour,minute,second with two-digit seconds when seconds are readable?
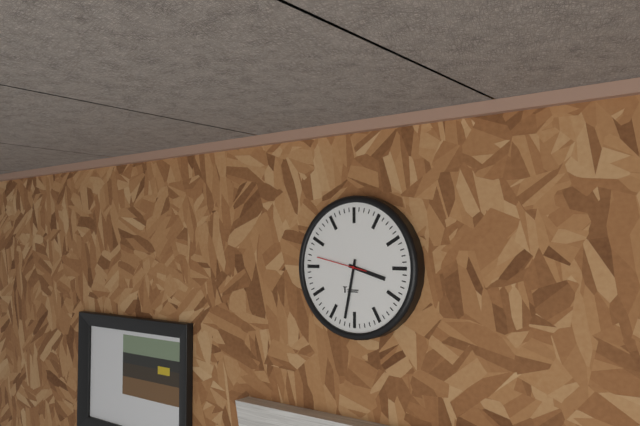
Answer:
3,32
